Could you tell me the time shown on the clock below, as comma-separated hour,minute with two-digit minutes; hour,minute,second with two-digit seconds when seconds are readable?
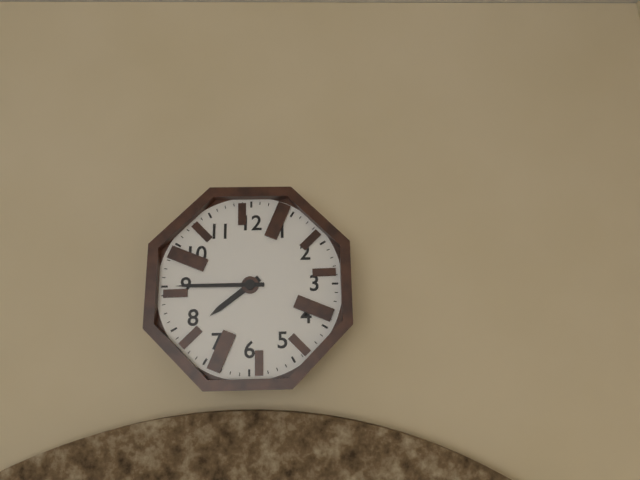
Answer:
7,45
